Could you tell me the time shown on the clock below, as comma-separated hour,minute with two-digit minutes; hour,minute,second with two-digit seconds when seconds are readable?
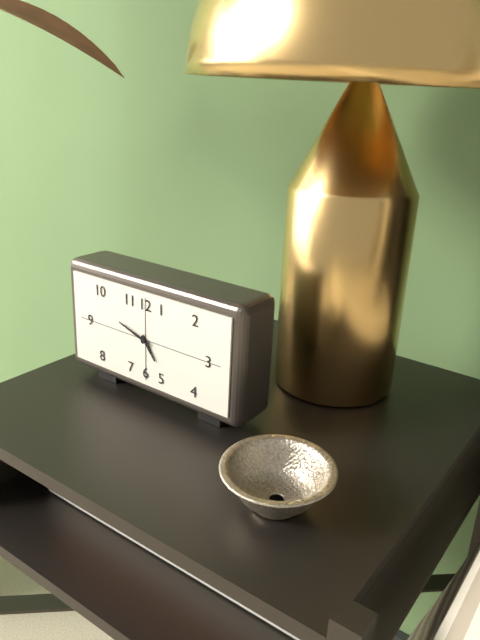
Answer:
4,48
